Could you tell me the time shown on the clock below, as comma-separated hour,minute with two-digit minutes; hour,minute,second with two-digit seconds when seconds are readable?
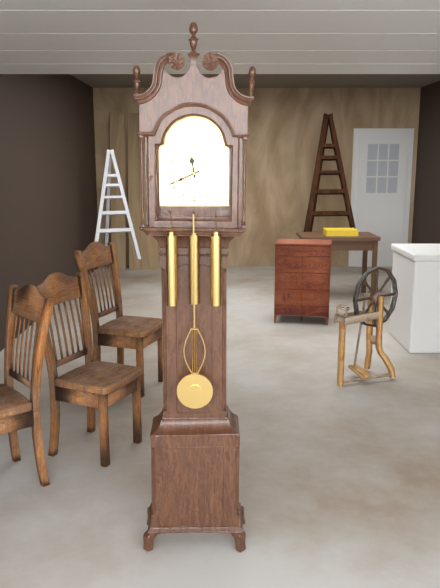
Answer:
11,41
